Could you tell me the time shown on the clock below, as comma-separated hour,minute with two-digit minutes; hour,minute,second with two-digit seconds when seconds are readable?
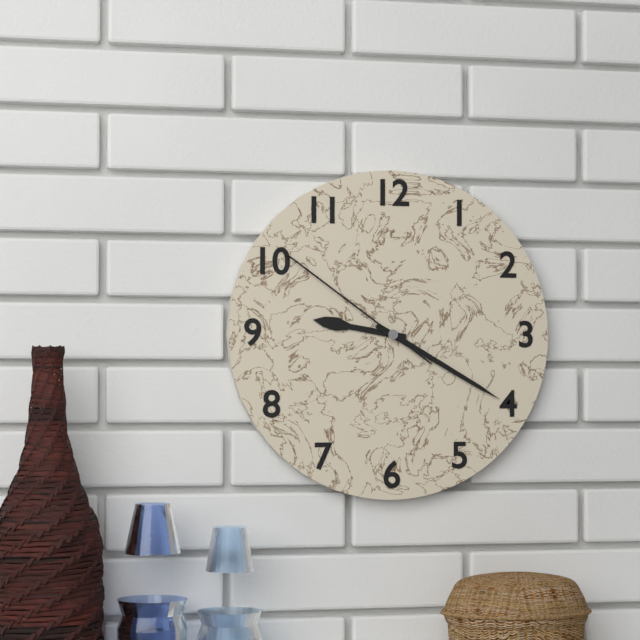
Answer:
9,20,51
